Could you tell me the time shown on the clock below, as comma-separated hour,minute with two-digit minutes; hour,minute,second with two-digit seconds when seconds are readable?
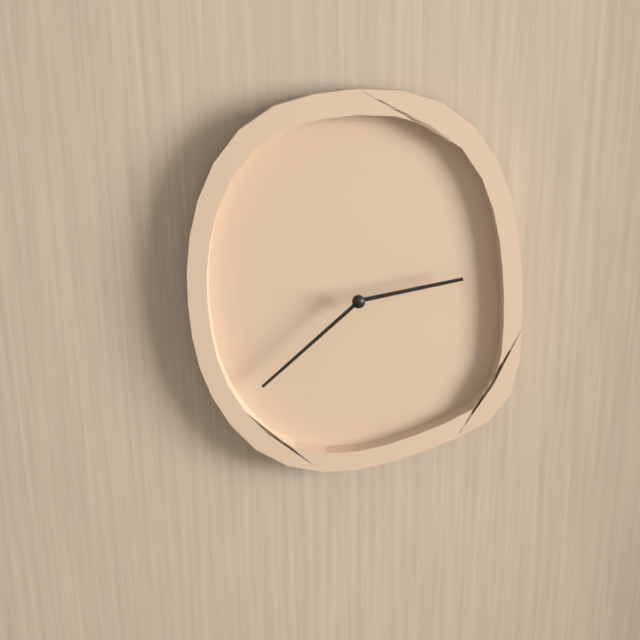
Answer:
2,38
